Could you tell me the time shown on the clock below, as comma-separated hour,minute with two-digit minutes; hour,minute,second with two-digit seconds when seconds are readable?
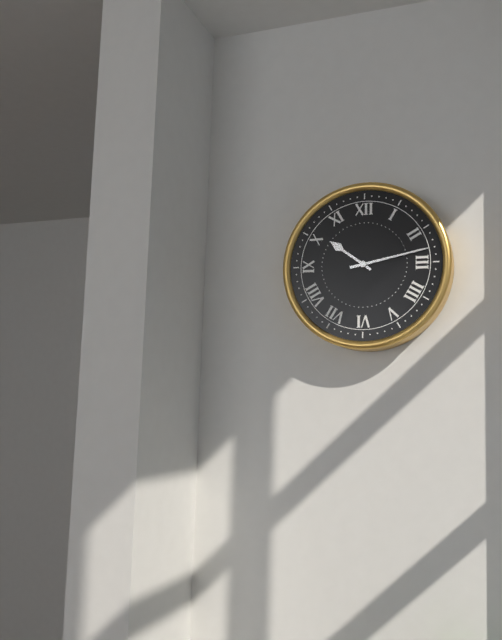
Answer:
10,13
